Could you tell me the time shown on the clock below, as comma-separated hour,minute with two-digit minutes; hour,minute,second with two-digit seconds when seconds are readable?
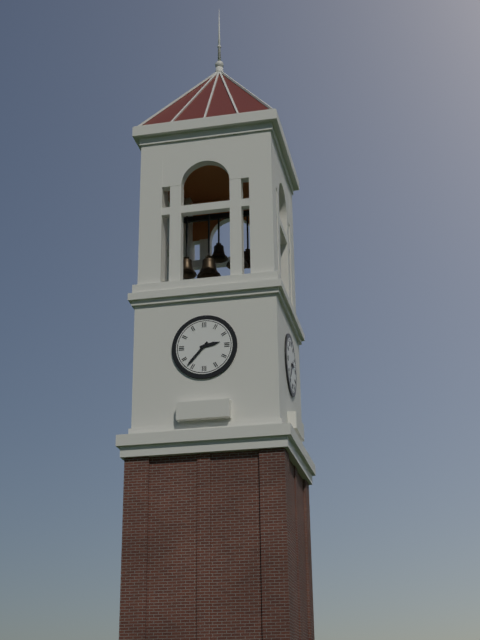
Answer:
2,37
